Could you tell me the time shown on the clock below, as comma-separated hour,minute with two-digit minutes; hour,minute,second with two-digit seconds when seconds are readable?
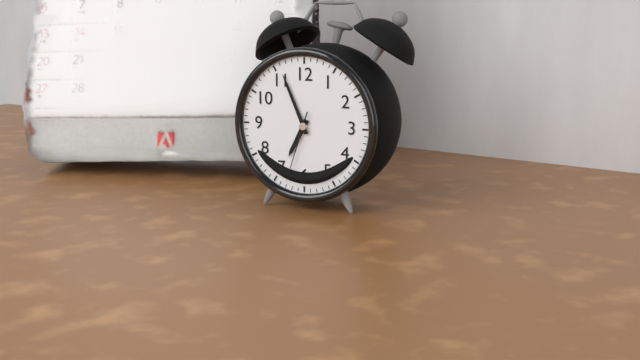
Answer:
6,56,33
